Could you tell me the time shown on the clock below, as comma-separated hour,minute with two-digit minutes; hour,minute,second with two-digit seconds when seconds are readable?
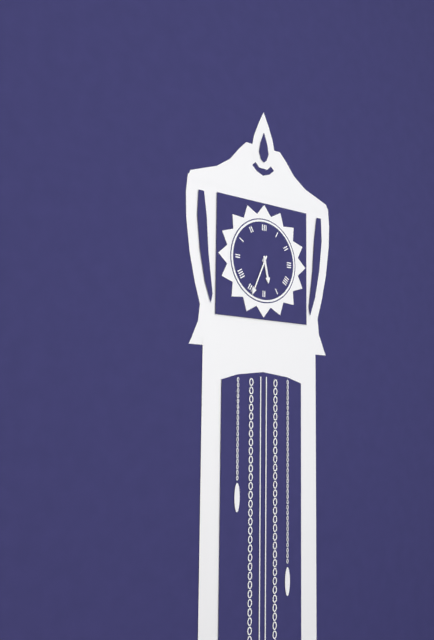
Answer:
5,34
